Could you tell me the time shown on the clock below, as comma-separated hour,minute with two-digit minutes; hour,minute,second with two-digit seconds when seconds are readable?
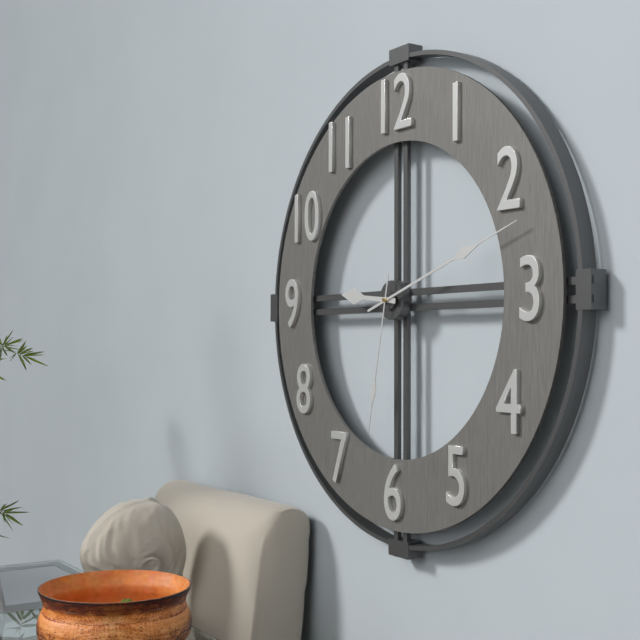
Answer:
9,12,32
